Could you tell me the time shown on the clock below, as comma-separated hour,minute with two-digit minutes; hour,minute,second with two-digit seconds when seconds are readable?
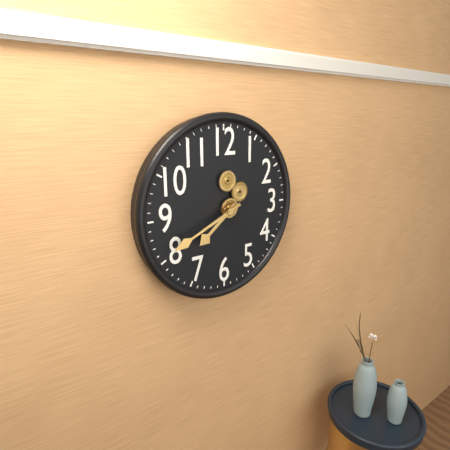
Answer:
7,41
